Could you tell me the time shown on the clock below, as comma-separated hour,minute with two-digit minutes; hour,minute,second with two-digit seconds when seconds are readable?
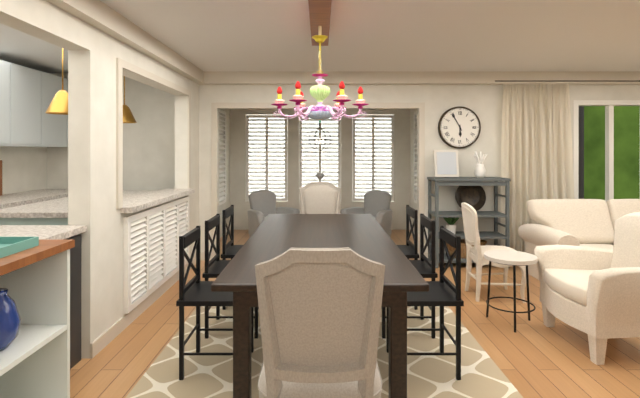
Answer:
5,55
